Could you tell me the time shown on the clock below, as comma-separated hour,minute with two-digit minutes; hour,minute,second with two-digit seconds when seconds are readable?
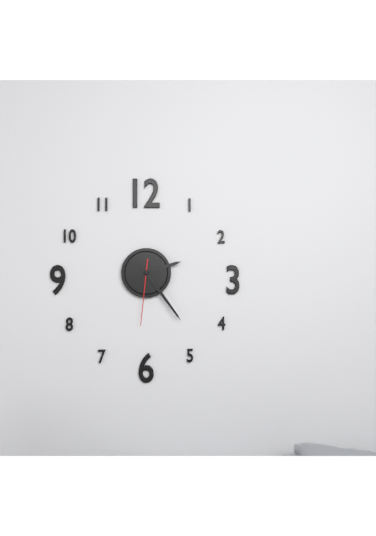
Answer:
2,24,31
